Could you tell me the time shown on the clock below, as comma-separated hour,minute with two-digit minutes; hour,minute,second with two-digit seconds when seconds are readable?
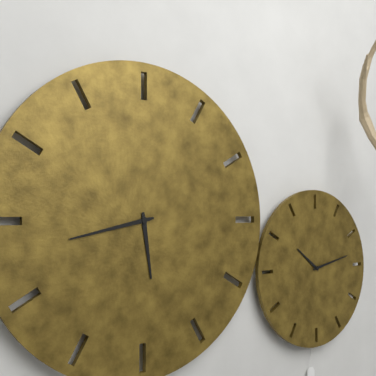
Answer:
5,43
